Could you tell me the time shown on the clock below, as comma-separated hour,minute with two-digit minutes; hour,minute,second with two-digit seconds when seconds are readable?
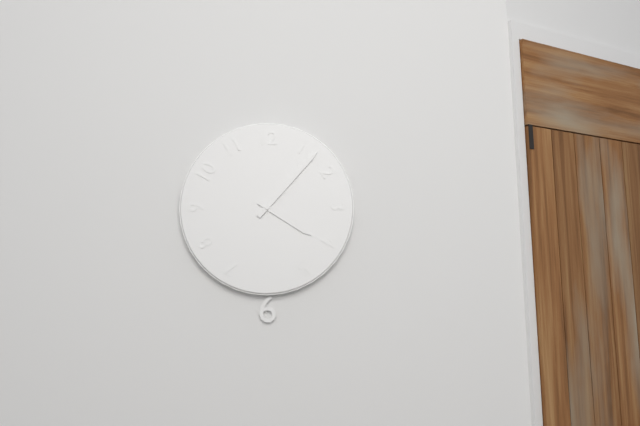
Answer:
4,07
